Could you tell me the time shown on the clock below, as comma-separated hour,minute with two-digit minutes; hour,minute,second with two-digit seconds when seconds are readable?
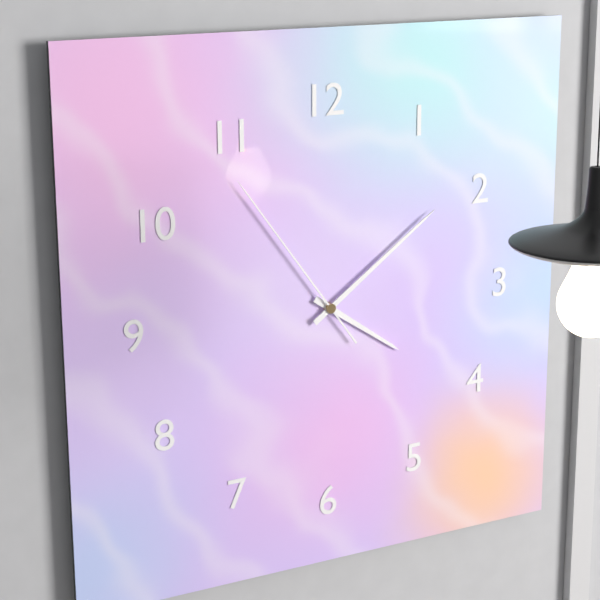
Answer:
4,09,54
